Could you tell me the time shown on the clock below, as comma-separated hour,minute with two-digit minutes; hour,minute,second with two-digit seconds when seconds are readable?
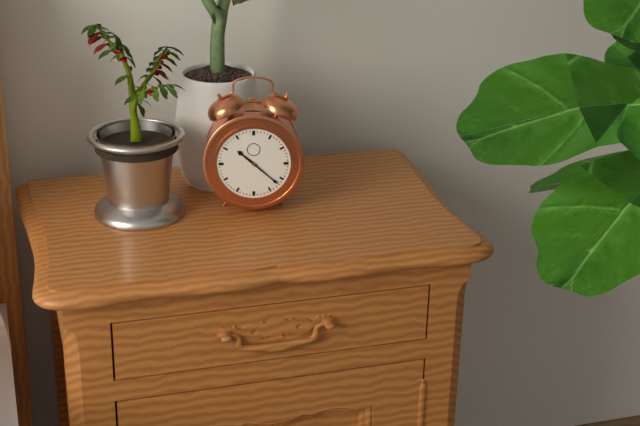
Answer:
10,22
